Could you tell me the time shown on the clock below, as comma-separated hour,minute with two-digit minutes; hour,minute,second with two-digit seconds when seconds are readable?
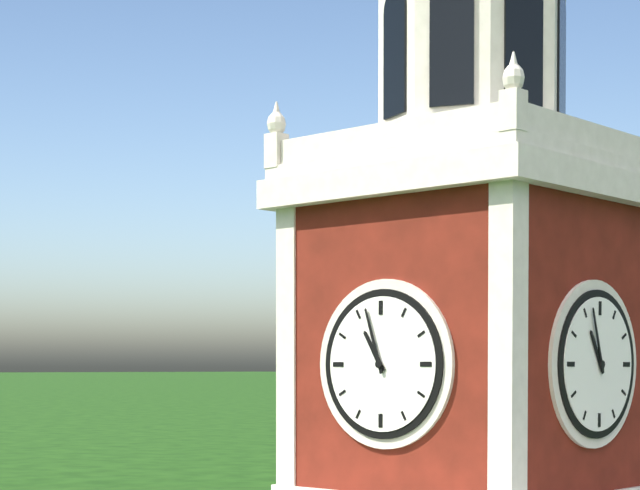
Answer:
10,57
